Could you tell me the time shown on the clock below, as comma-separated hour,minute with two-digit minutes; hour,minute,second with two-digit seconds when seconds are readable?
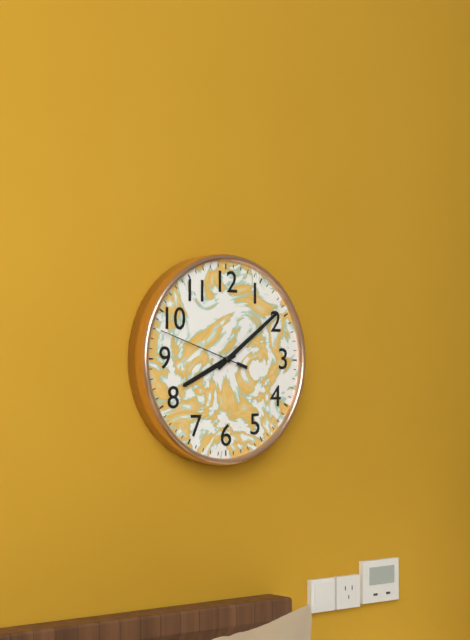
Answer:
8,09,48
